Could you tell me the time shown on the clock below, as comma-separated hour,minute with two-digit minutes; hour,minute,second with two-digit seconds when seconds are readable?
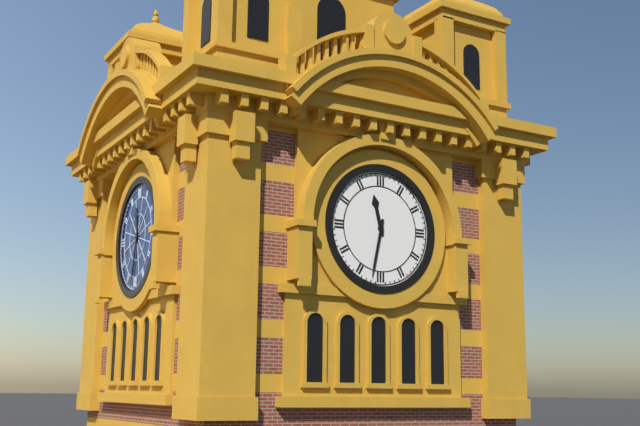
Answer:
11,32
